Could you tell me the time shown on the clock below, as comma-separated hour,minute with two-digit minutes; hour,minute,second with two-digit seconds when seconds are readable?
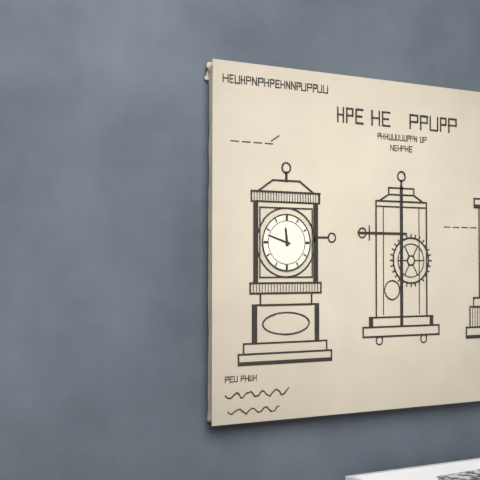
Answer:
11,48
